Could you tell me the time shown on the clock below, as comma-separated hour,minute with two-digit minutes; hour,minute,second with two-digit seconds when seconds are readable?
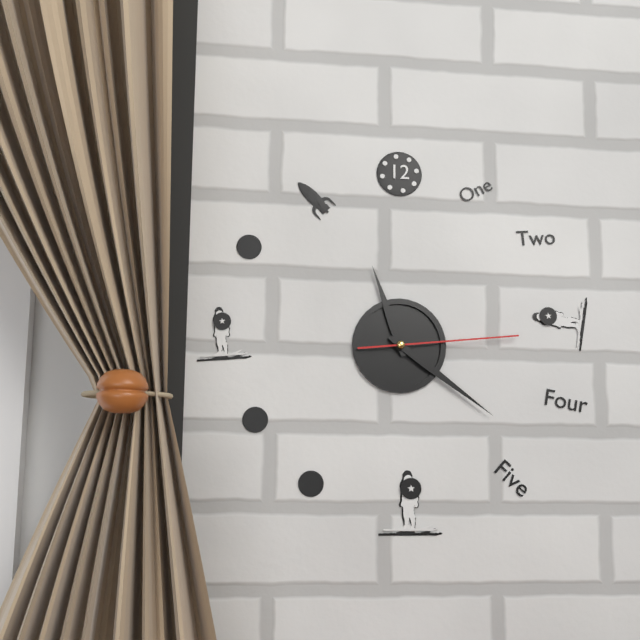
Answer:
11,21,14
